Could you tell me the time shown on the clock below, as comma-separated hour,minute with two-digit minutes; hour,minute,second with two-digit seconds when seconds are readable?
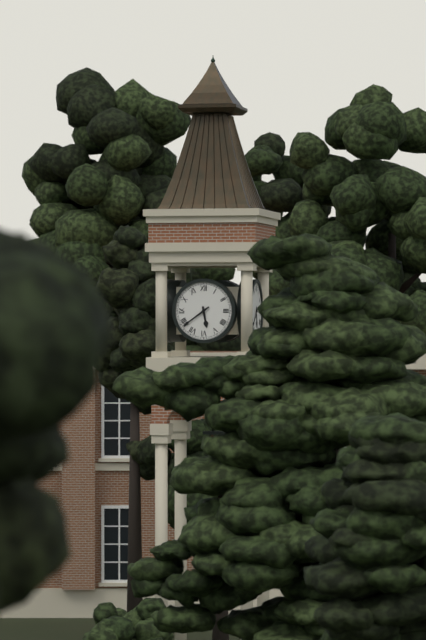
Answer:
5,39
